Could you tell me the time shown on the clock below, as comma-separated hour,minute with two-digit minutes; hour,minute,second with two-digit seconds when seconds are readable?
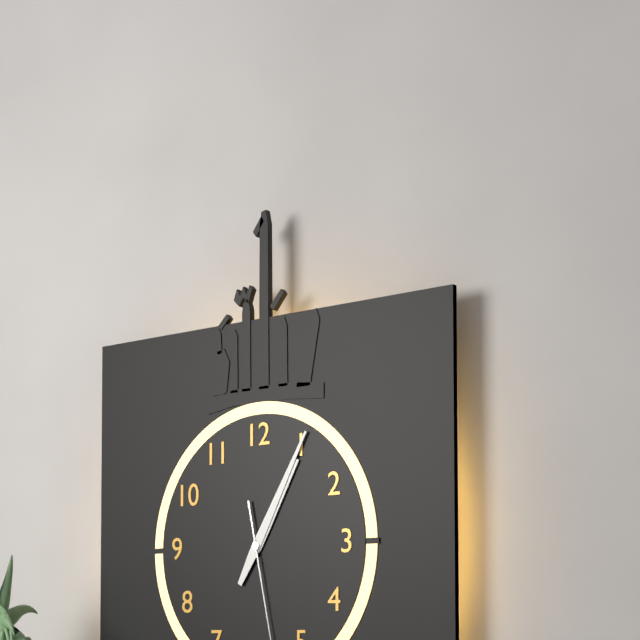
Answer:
1,05
